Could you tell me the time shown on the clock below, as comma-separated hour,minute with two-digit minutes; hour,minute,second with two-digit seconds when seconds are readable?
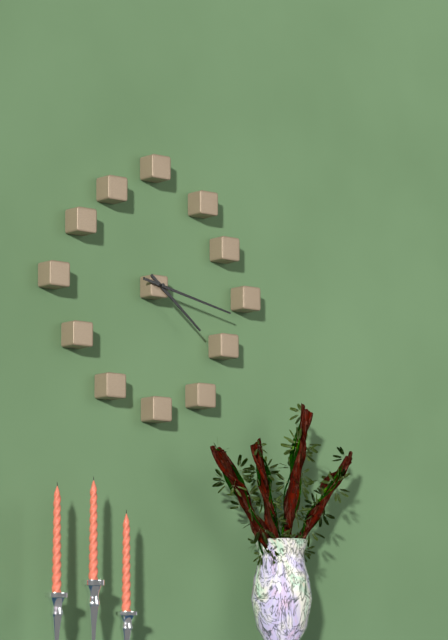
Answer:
4,17
